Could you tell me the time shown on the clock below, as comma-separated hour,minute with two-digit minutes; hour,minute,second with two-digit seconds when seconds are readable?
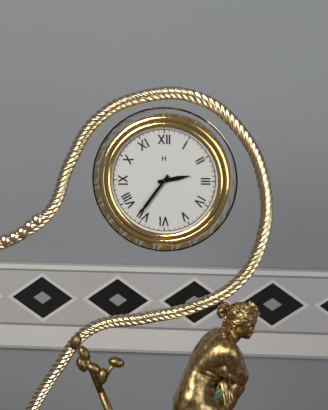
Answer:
2,36
